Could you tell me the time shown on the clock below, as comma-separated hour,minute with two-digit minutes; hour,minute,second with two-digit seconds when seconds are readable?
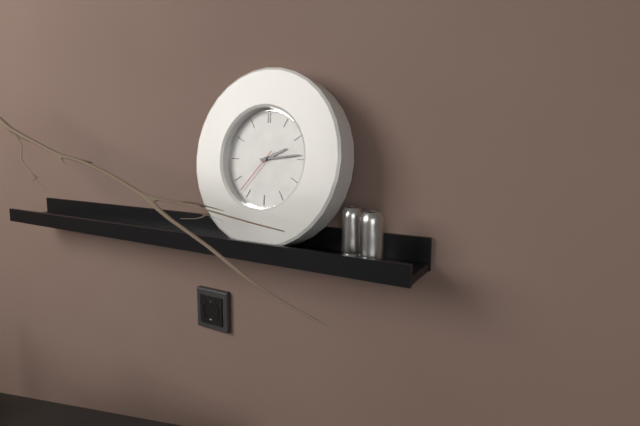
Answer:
2,14
